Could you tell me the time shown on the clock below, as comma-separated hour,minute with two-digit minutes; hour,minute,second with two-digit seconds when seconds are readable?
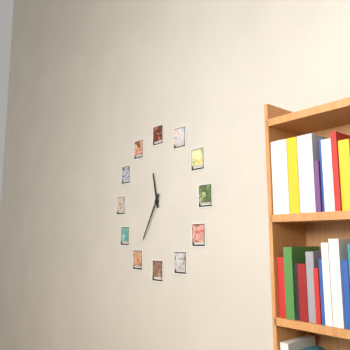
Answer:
11,35
